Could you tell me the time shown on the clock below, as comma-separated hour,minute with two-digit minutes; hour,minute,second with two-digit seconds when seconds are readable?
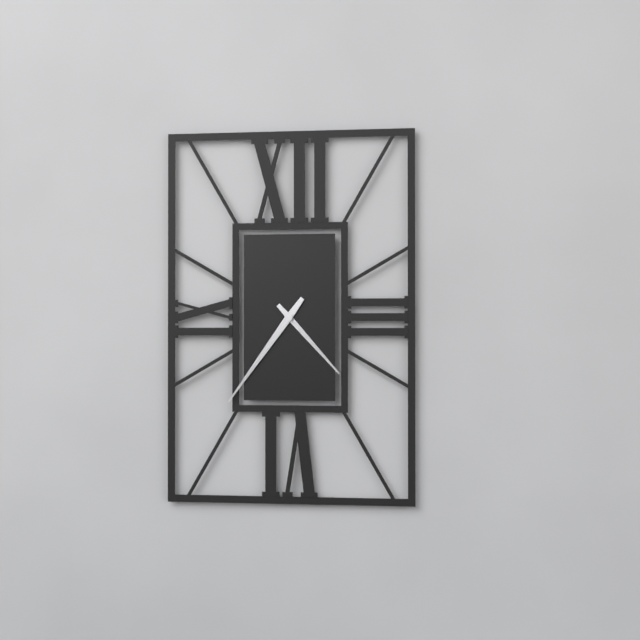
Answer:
4,36
